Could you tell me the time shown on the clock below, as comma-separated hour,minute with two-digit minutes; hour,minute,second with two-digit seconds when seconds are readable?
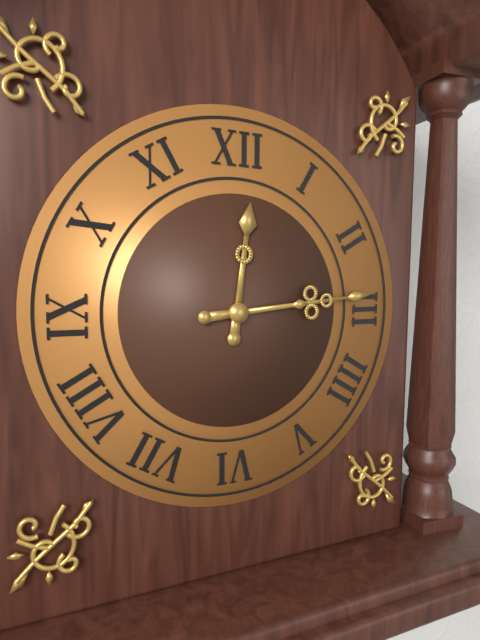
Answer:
12,14
